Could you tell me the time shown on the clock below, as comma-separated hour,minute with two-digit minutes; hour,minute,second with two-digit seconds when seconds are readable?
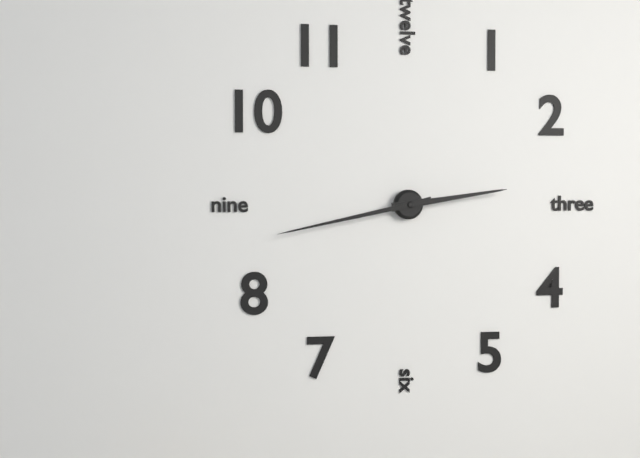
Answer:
2,43
